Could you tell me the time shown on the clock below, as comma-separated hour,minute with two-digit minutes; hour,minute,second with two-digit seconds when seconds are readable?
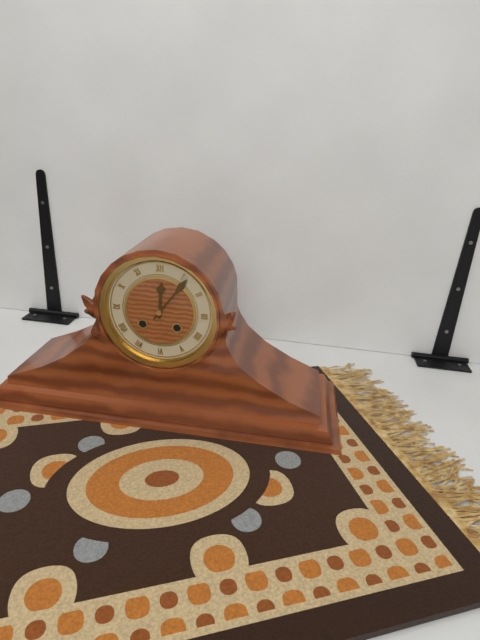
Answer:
12,06
